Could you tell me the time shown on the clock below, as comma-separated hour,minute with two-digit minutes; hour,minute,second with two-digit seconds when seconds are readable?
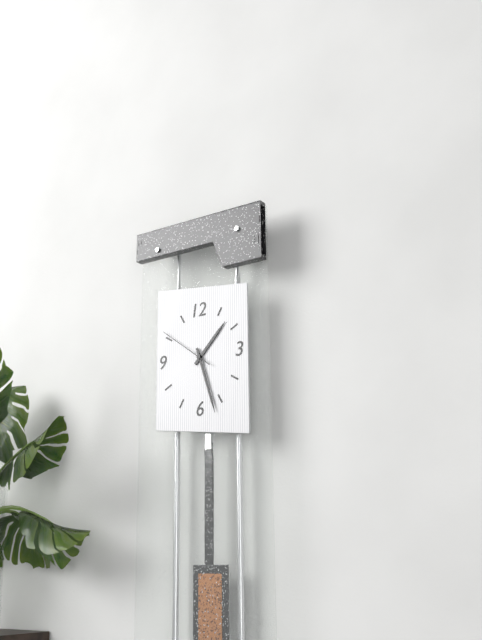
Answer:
1,27,51
